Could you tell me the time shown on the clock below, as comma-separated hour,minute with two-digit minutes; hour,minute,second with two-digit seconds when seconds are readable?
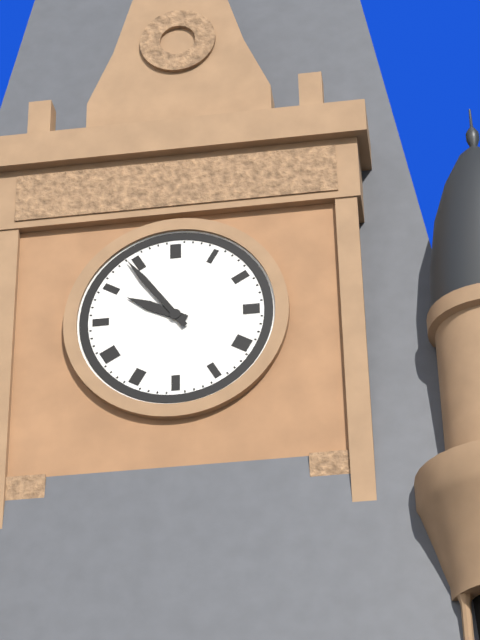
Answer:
9,54
